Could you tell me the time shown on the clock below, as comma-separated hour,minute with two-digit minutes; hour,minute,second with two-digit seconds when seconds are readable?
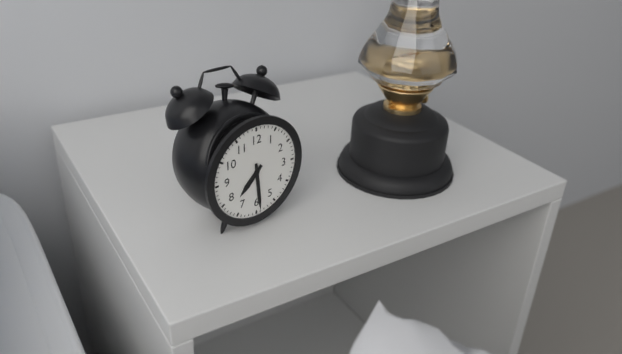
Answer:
7,29
